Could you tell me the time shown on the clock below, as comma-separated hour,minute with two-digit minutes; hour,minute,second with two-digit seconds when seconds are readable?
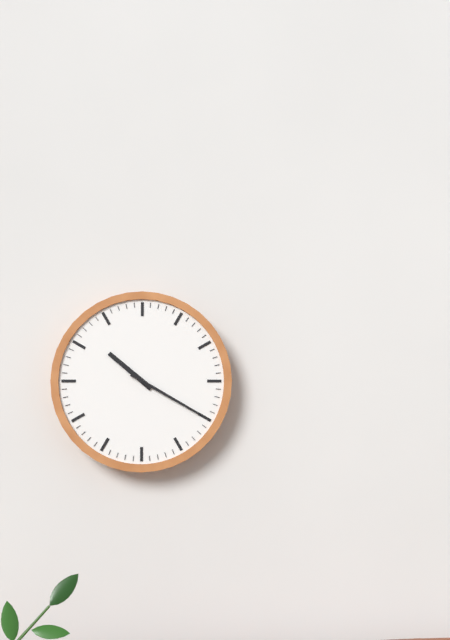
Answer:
10,20
